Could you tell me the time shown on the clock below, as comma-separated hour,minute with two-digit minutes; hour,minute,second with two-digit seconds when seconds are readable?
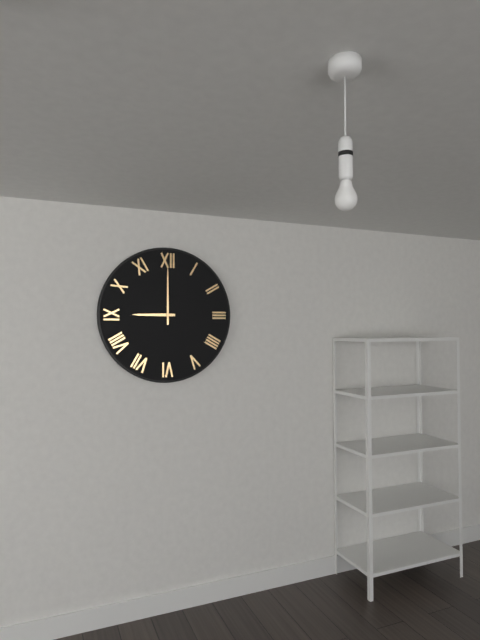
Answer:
9,00
